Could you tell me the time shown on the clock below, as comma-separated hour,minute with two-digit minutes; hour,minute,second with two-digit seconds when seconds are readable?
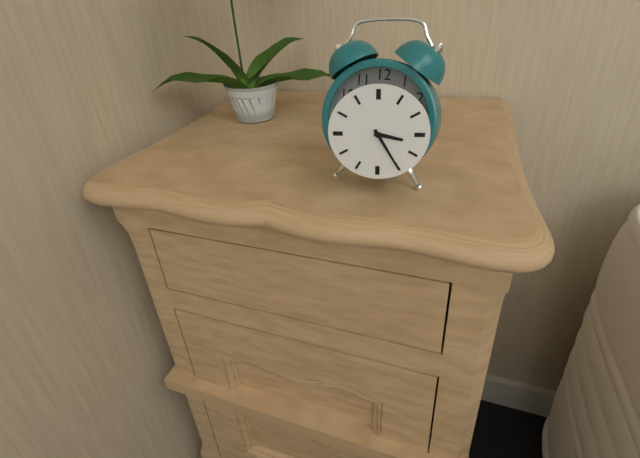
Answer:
3,25
